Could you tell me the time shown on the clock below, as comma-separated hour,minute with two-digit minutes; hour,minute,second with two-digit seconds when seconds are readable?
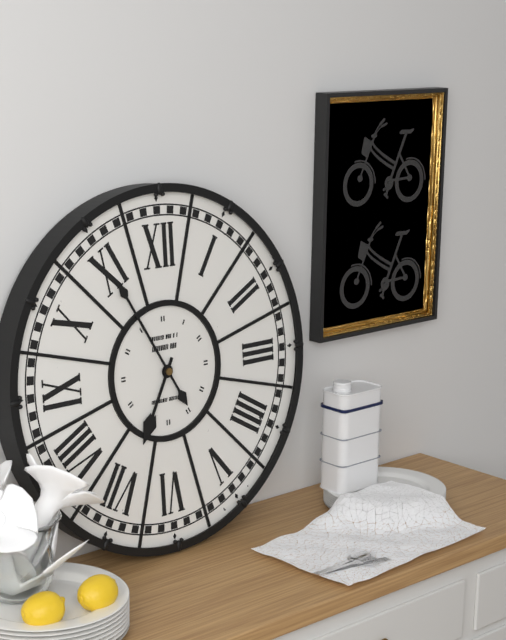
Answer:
6,55
